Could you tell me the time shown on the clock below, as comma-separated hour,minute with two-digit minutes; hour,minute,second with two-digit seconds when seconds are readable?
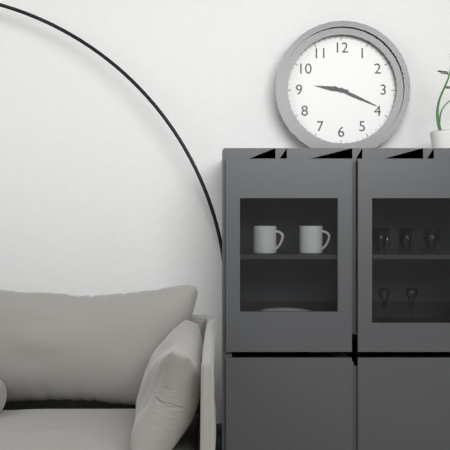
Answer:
9,19
